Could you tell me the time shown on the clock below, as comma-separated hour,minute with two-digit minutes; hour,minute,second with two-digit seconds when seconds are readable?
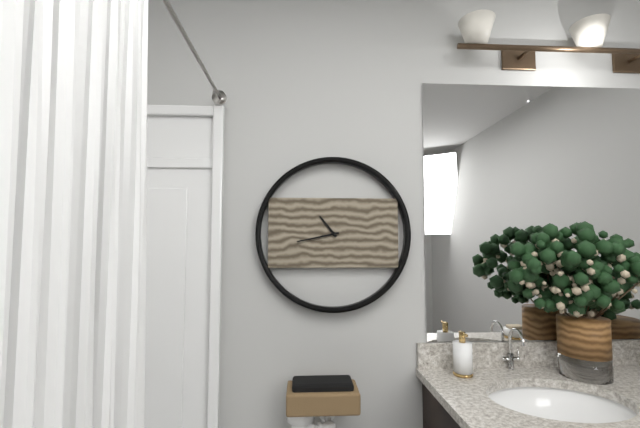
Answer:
10,43
